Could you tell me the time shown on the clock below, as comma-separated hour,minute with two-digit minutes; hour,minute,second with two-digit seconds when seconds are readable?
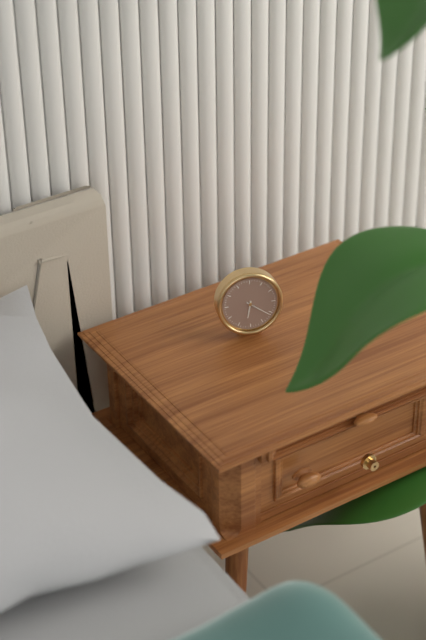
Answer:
6,21
